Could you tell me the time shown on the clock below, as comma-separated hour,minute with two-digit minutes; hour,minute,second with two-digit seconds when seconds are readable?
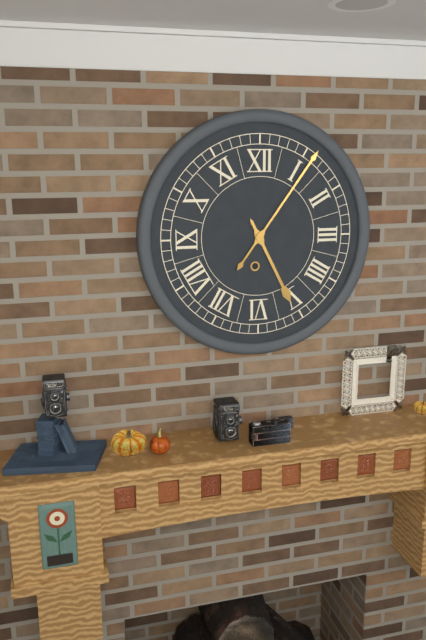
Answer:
5,06
